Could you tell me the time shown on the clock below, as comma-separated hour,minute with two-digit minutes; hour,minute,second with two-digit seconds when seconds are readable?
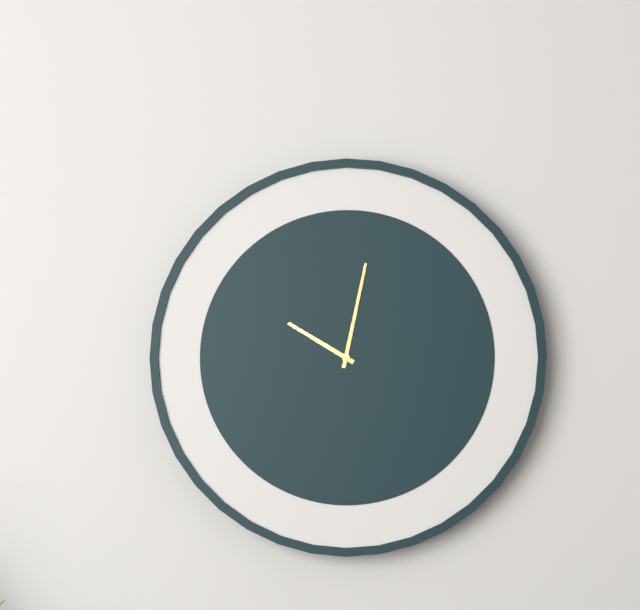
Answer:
10,02
